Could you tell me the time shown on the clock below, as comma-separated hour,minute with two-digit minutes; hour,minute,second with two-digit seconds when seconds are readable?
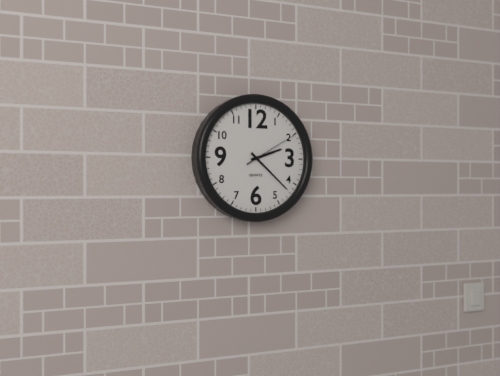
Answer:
2,22,10
